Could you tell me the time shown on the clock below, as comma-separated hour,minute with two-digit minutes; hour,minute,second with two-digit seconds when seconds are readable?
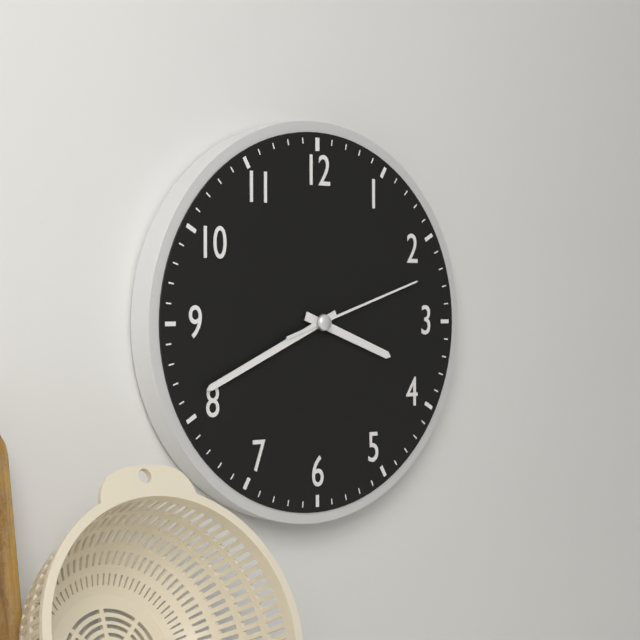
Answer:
3,41,12
